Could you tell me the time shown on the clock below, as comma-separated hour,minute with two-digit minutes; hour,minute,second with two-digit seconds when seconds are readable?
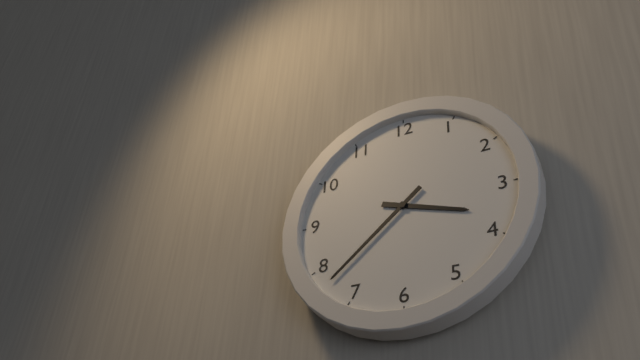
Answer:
3,38
